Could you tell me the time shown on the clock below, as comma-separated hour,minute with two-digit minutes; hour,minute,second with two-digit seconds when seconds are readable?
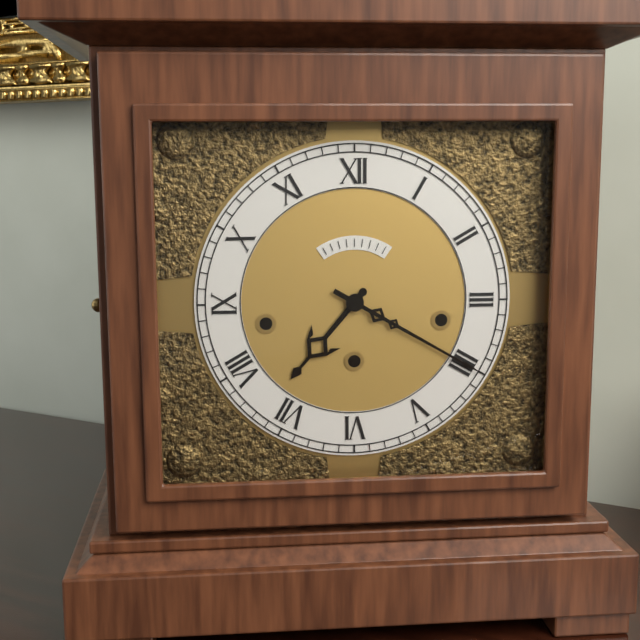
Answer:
7,20
